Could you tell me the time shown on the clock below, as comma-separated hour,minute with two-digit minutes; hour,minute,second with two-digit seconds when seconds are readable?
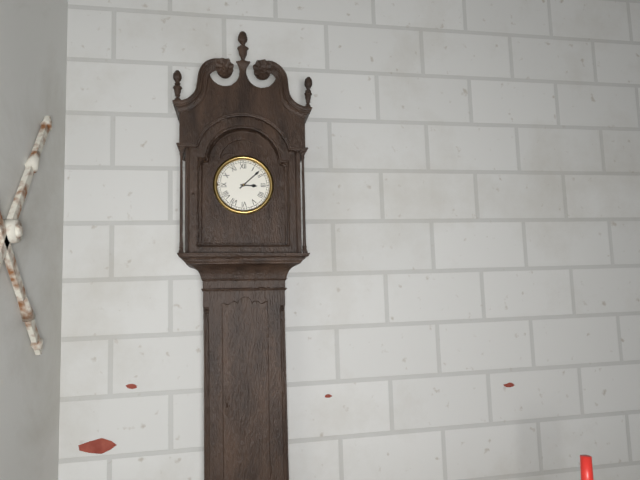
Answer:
3,08
